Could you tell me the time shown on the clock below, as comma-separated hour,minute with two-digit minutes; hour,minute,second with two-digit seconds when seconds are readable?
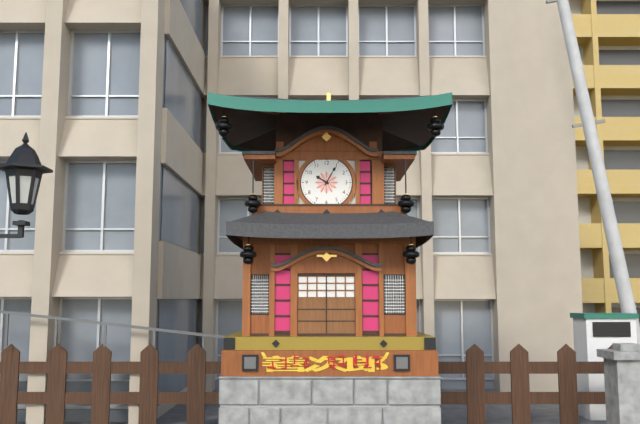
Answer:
10,05
